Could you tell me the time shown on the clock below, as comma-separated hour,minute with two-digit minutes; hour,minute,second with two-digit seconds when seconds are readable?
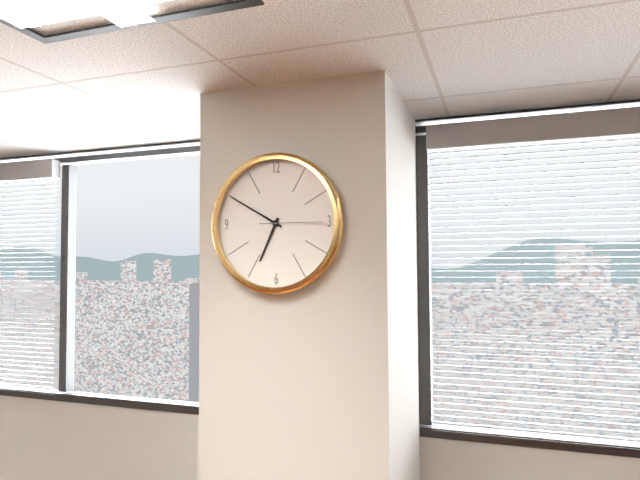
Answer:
6,50,15
